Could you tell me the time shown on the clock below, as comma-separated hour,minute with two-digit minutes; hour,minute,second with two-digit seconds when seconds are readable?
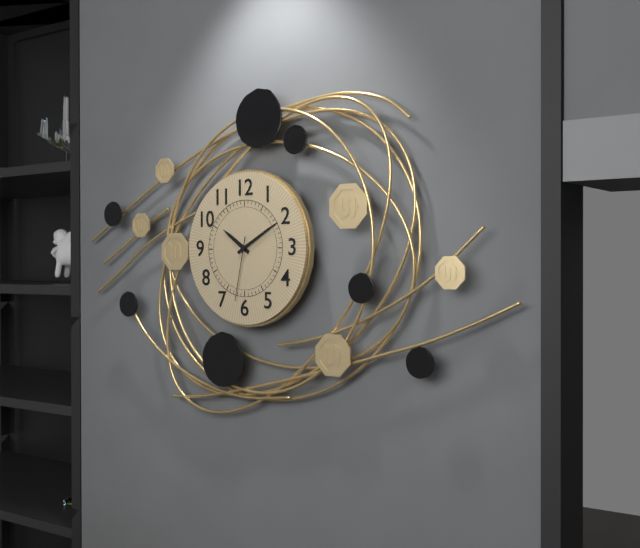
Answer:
10,10,32
